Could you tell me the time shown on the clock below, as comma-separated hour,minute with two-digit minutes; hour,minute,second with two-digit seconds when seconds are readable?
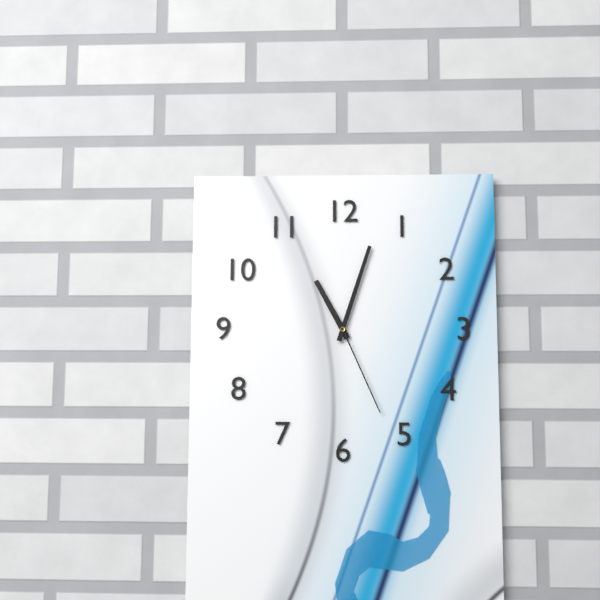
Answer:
11,03,26
